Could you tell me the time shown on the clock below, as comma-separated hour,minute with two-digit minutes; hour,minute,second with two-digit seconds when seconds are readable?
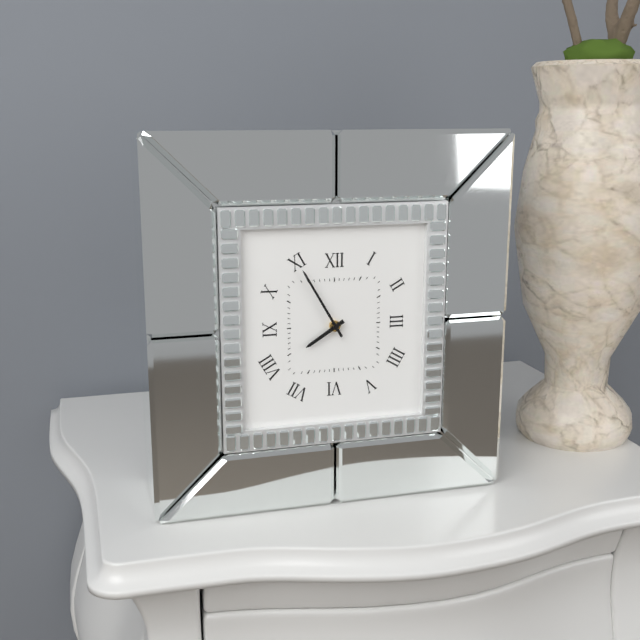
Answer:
7,55
